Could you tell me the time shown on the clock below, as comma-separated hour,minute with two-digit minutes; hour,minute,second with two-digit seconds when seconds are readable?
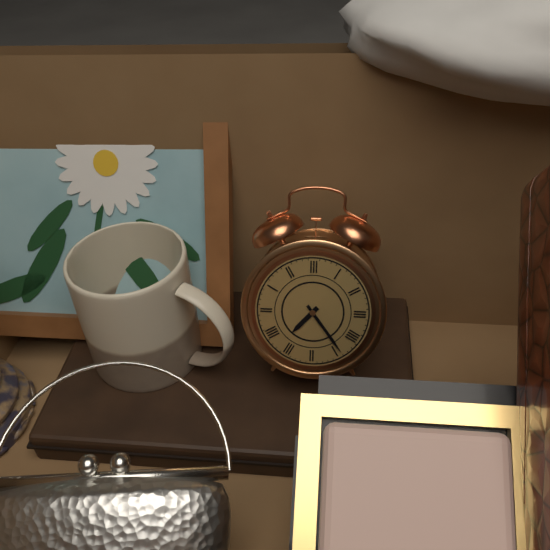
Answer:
7,24
